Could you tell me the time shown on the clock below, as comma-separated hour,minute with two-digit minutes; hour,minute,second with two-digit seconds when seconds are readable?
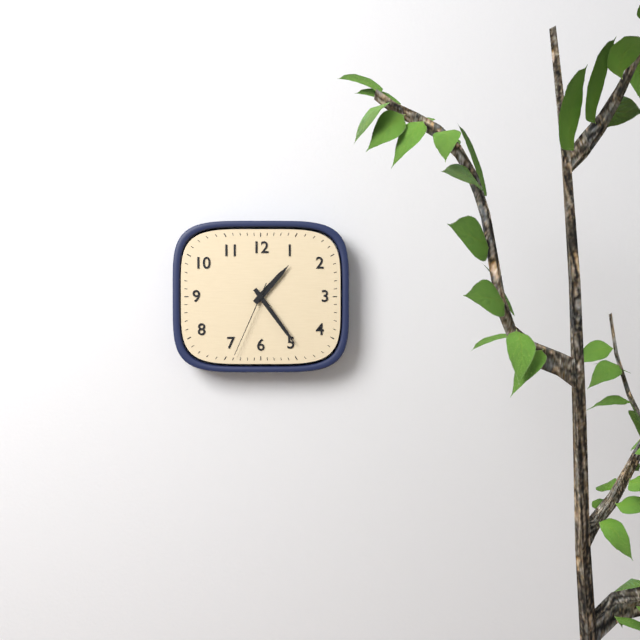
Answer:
1,24,34
